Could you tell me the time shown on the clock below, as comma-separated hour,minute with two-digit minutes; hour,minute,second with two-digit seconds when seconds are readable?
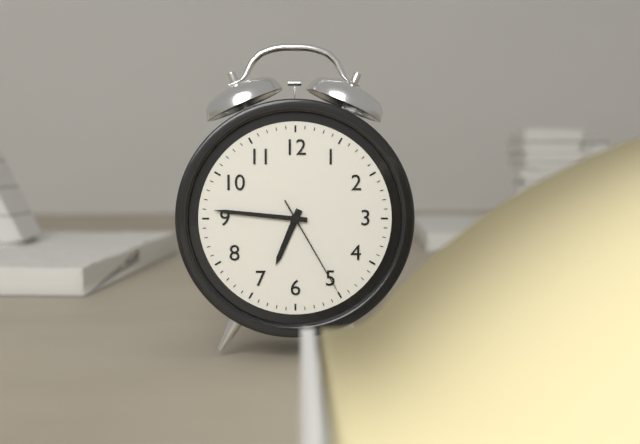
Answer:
6,46,25
